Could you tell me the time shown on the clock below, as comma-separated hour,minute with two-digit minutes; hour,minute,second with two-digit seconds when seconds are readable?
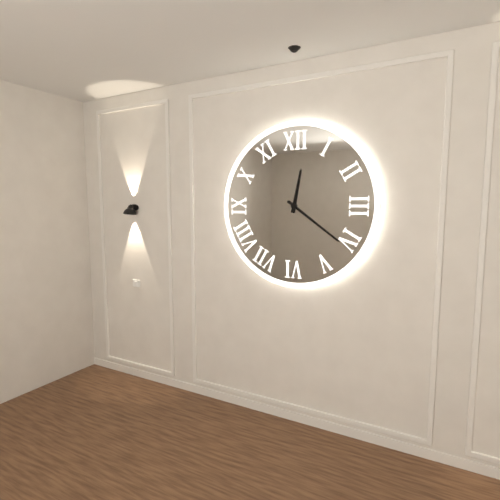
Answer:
12,21
